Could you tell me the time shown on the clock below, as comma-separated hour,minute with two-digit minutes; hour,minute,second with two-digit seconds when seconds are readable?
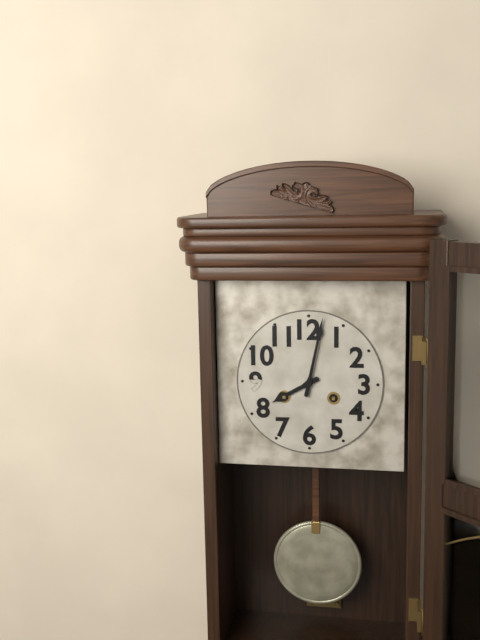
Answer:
8,02
